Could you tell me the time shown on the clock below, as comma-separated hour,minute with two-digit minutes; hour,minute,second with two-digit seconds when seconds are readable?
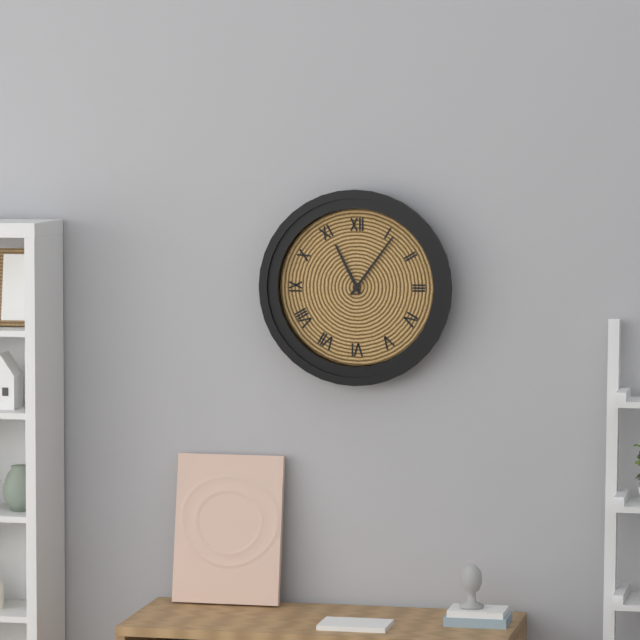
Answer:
11,06
